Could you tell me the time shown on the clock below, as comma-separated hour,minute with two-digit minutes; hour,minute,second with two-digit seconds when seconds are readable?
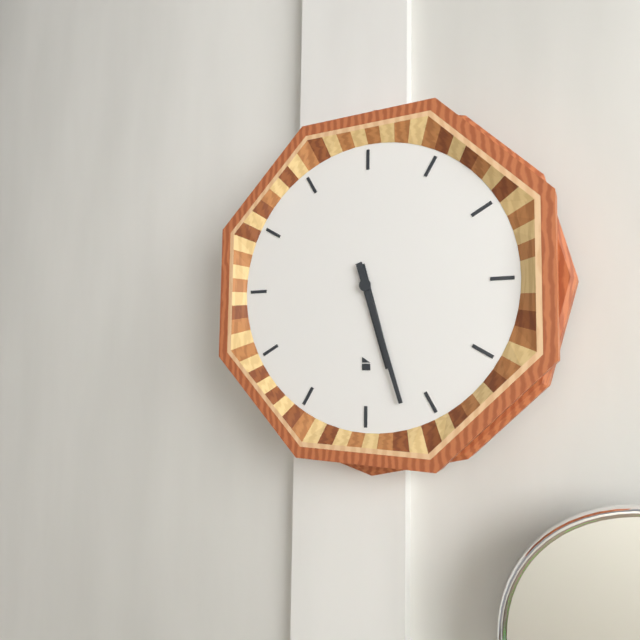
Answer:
5,27
